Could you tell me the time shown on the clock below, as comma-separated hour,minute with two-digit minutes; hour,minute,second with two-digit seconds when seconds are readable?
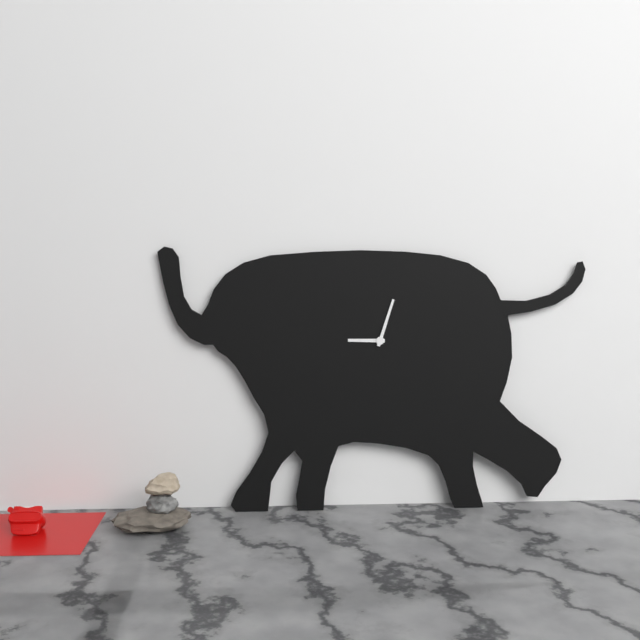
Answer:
9,03
